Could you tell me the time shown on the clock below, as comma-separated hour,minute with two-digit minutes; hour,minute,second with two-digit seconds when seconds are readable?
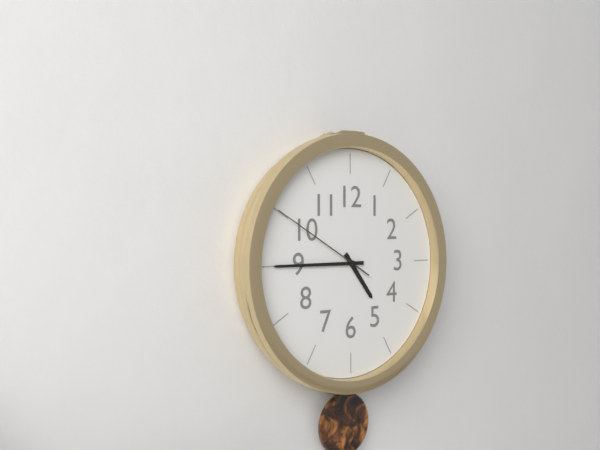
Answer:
4,45,50
